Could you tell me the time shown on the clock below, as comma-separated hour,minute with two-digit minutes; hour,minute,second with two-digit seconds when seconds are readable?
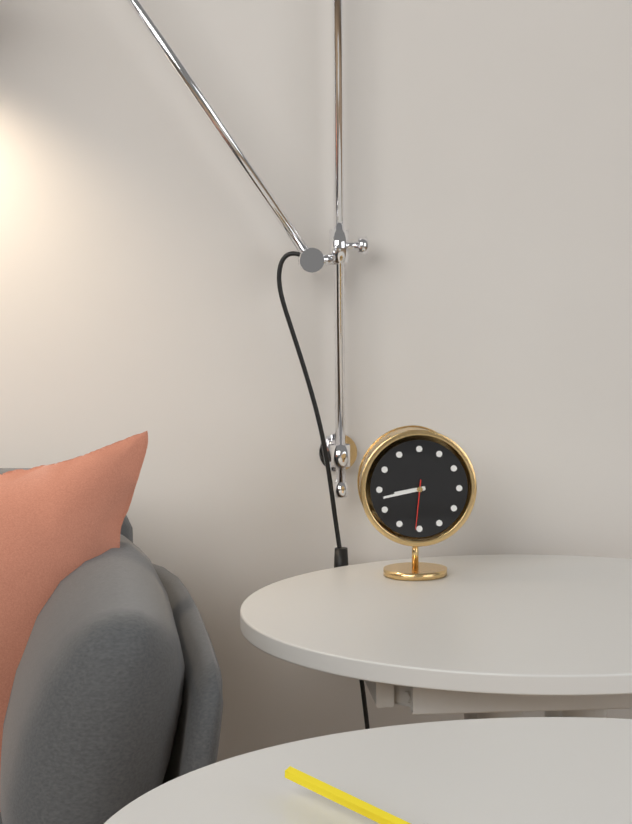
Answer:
8,43,31
